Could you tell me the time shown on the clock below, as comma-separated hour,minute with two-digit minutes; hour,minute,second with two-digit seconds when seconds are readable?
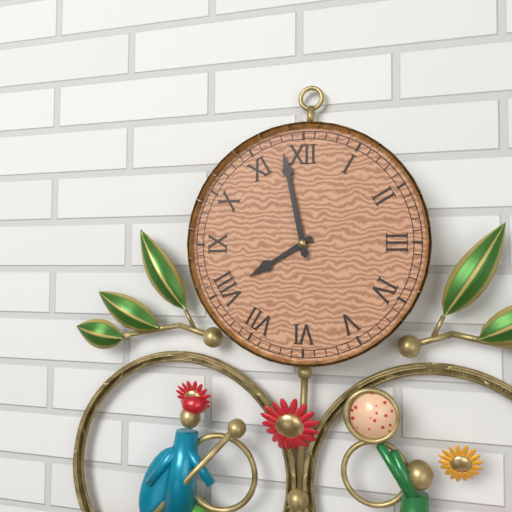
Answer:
7,58
